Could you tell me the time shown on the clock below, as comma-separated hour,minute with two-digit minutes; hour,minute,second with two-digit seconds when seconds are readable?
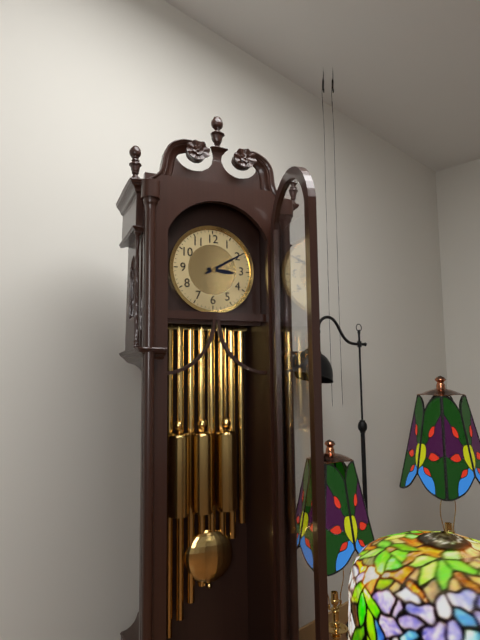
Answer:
3,10
